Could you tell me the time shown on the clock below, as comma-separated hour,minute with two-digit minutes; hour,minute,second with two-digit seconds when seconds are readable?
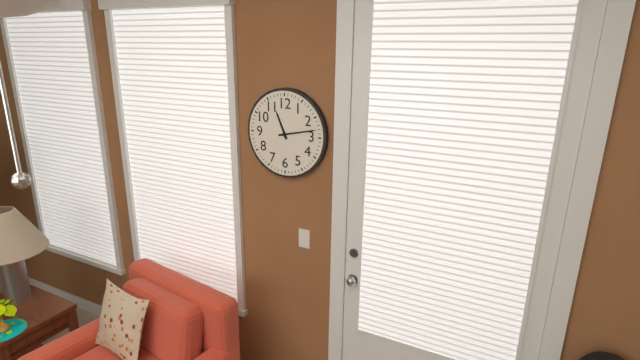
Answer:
11,13
